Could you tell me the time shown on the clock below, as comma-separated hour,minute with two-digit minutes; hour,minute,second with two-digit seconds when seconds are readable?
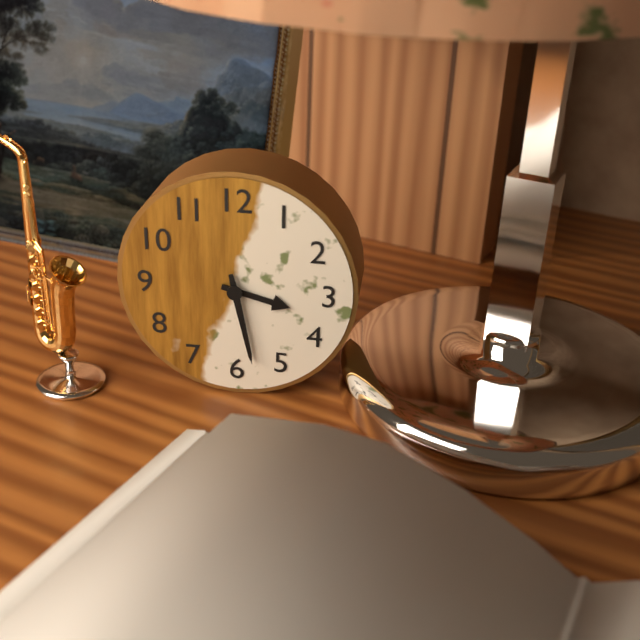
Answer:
3,28
